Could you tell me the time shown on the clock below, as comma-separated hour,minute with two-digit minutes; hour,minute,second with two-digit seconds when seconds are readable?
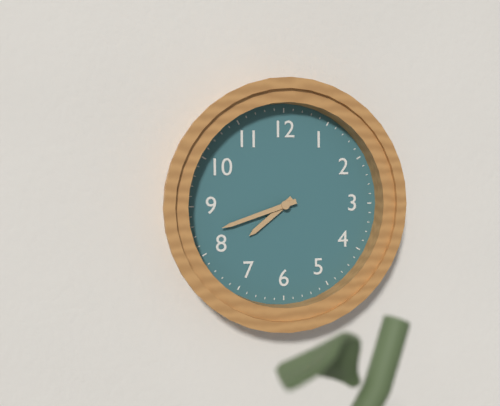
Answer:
7,42
